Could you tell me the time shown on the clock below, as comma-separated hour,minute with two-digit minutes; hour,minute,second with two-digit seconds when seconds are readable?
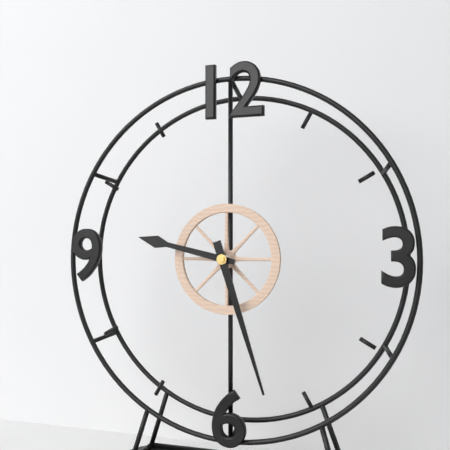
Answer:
9,27
